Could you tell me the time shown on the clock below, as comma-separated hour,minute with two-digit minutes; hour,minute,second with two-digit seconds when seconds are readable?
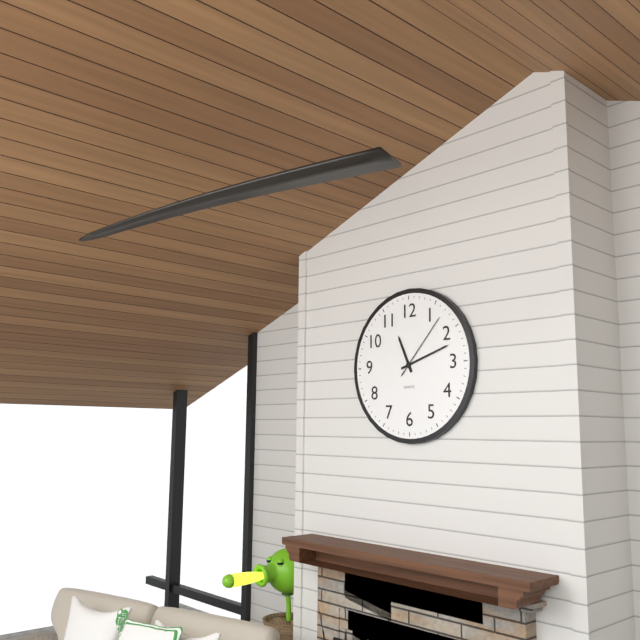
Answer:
11,12,07
